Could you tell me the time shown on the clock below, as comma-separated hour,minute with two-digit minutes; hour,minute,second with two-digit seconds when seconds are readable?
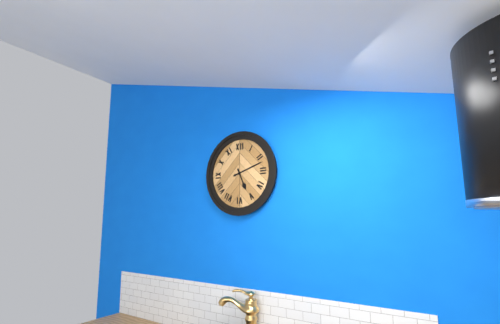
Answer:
5,12
